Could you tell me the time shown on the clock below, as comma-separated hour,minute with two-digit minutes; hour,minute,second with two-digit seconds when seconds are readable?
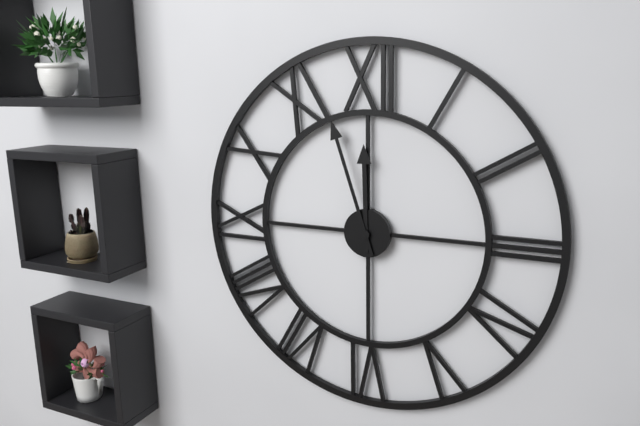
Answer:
11,57
